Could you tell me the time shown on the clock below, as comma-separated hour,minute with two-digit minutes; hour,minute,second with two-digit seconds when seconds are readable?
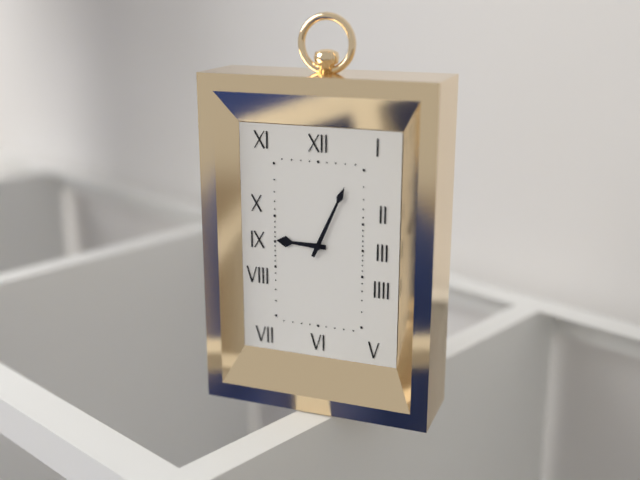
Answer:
9,04
